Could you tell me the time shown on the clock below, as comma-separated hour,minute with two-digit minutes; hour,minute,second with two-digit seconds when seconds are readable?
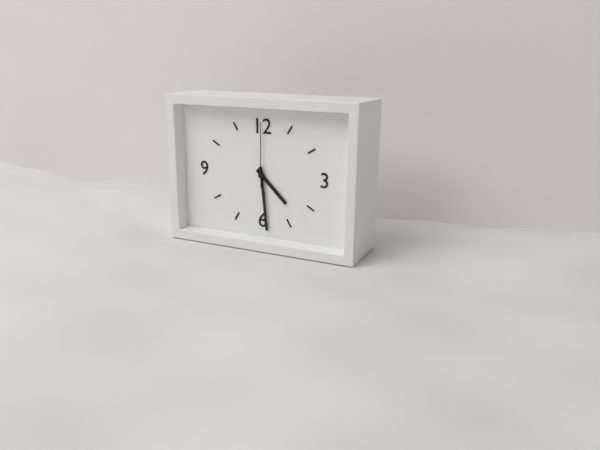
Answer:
4,29,00
